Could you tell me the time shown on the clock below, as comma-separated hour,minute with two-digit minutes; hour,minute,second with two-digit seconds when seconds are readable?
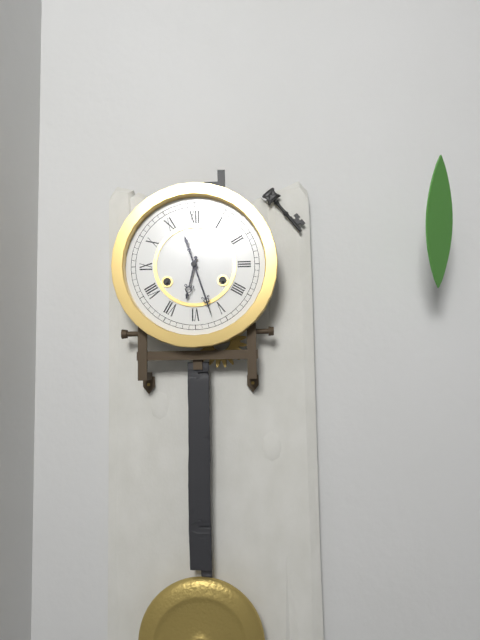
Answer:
6,27
